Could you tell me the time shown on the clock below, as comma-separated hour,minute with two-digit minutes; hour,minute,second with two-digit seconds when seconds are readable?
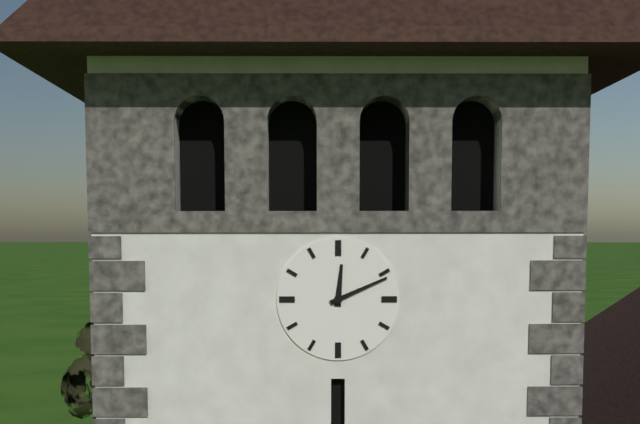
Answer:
12,11
